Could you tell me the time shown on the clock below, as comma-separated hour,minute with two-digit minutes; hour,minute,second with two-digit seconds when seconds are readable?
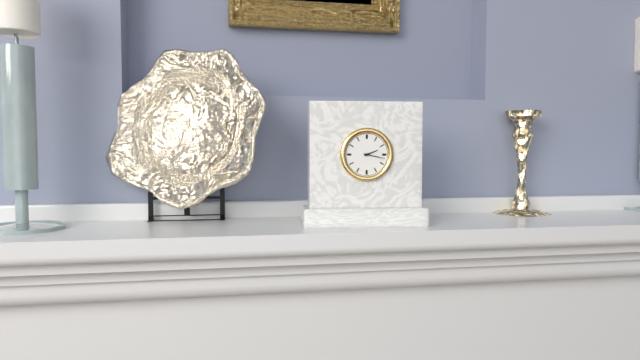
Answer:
2,17
